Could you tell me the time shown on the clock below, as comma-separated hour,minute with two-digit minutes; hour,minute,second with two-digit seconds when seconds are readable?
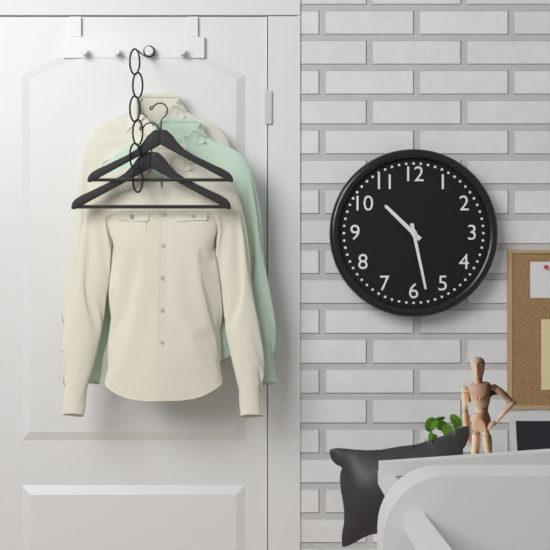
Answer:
10,28
